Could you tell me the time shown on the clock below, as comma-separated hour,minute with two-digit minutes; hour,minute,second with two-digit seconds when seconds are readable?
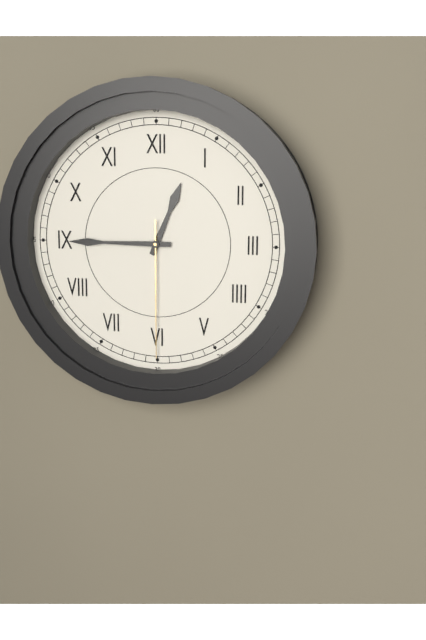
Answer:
12,45,30
